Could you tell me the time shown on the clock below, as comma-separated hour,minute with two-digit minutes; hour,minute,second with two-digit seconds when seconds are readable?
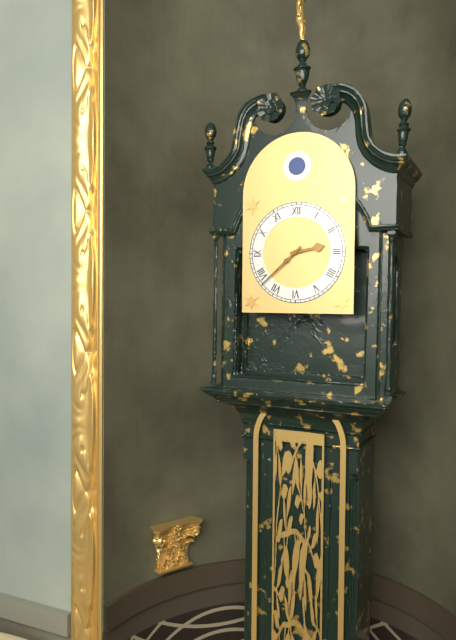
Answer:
2,38
